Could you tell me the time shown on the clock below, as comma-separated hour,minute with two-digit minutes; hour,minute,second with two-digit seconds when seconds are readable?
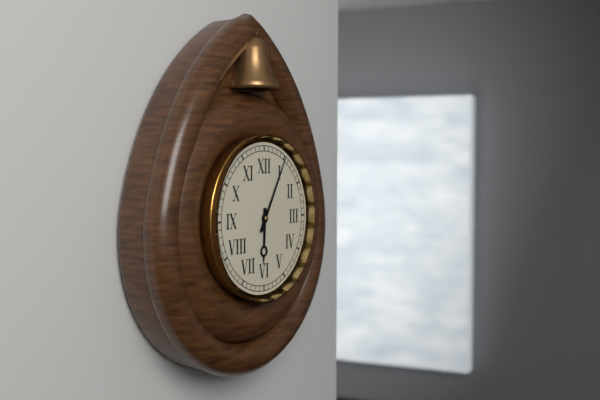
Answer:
6,05
